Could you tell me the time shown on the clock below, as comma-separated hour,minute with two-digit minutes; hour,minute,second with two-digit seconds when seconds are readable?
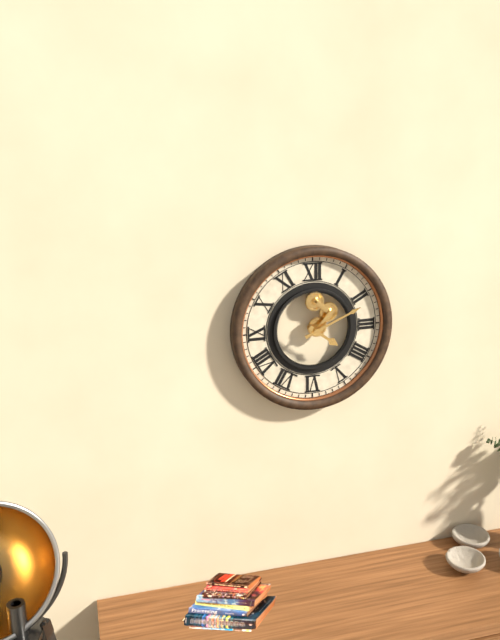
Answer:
4,11
